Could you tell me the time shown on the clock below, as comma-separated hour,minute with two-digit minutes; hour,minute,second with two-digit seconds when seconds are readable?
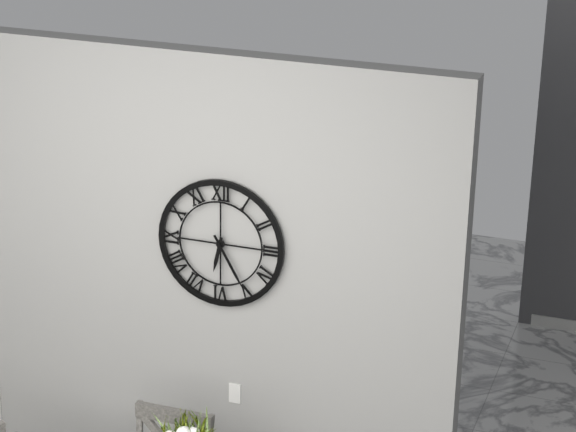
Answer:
6,25
